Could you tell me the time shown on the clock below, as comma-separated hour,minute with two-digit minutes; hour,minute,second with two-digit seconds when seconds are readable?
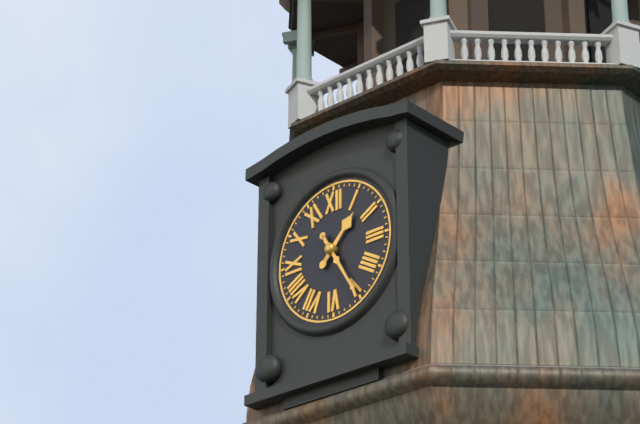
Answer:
1,25
